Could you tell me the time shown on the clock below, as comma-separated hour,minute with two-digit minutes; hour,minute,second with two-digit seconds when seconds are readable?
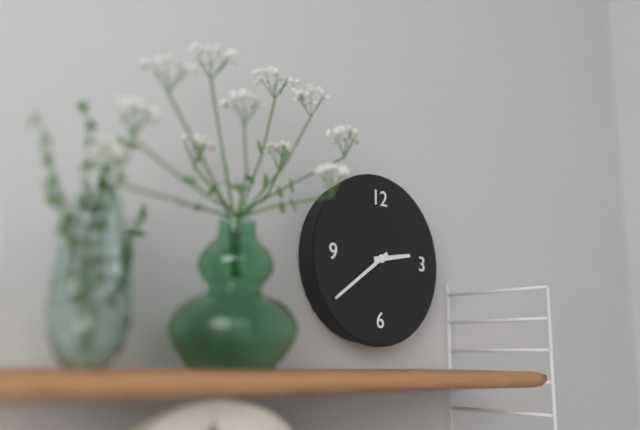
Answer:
2,39
